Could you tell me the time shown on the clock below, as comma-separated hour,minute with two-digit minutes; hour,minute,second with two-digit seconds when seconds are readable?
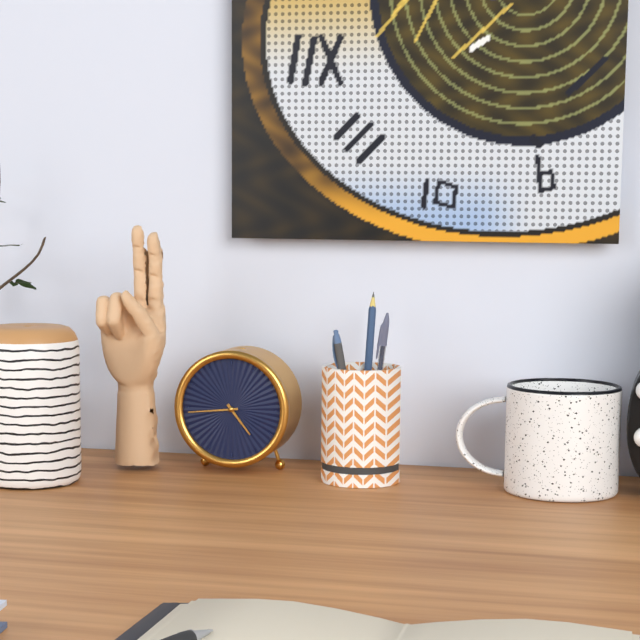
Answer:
4,44
